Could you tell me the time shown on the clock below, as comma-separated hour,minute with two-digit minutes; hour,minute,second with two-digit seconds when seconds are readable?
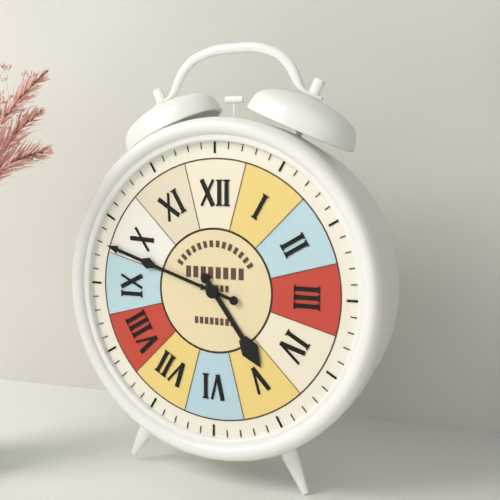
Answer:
4,48
